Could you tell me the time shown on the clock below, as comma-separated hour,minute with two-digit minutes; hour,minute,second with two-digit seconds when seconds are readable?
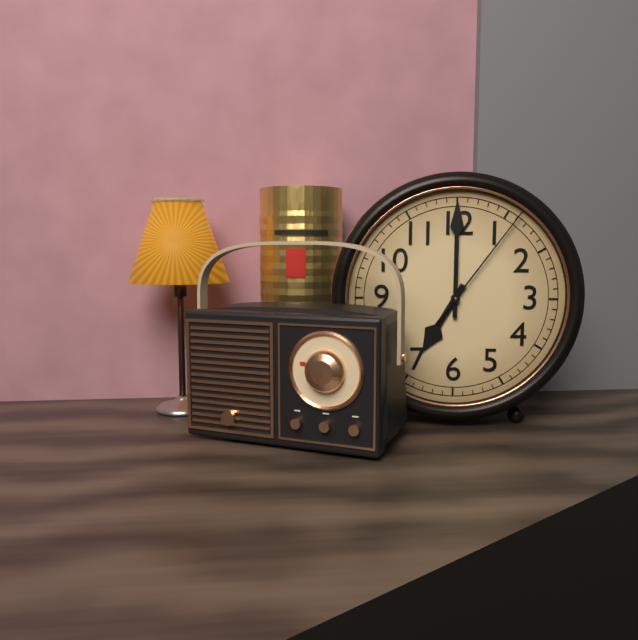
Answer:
7,00,06
